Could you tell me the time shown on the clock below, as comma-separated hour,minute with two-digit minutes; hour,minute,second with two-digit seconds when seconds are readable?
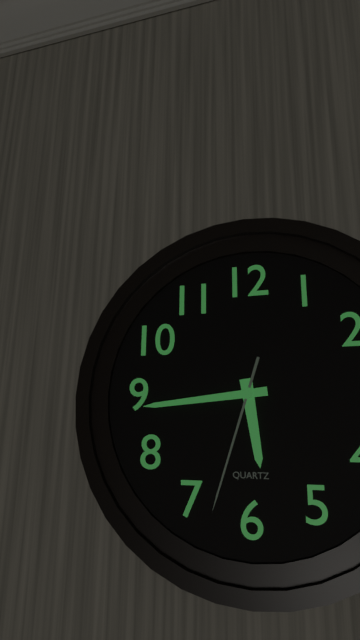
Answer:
5,44,33
